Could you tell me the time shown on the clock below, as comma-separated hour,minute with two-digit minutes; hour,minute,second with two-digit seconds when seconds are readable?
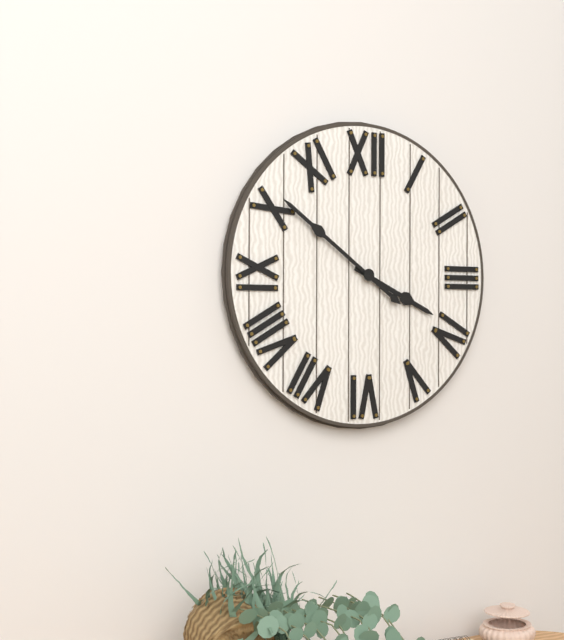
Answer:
3,51
